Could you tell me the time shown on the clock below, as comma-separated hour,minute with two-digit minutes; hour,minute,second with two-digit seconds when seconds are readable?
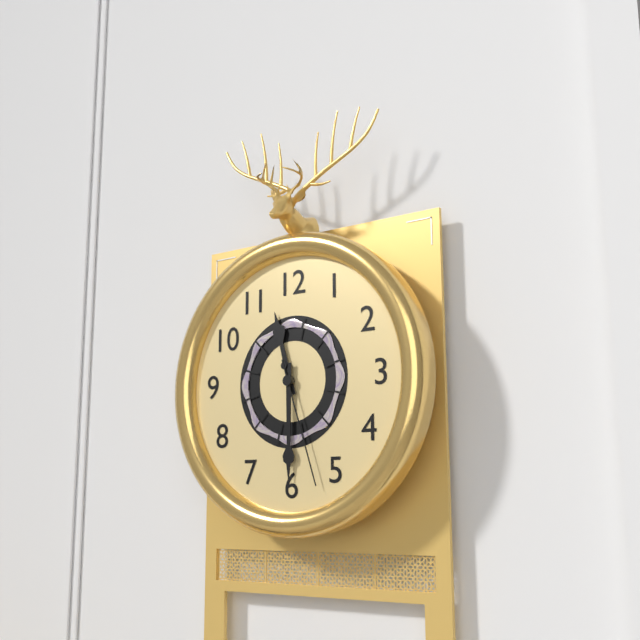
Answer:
11,30,27
